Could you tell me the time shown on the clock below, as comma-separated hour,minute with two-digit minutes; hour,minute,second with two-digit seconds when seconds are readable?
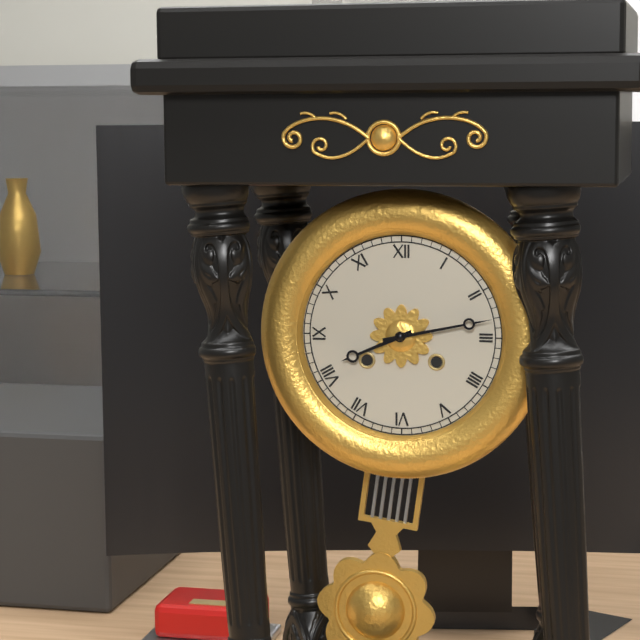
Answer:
8,13
